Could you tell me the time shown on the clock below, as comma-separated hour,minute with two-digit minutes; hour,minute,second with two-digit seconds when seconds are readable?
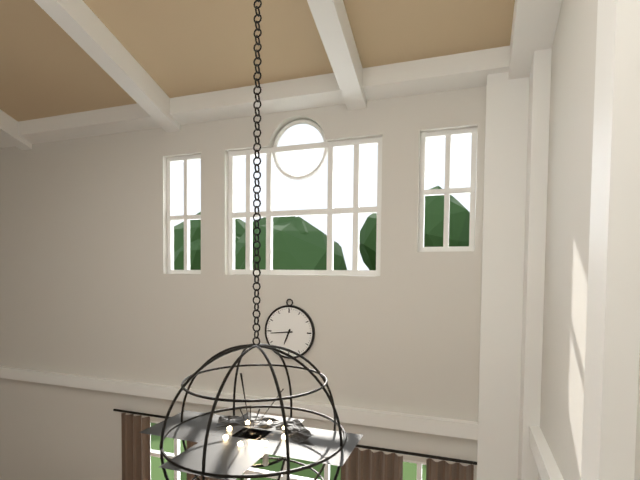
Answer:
6,44
